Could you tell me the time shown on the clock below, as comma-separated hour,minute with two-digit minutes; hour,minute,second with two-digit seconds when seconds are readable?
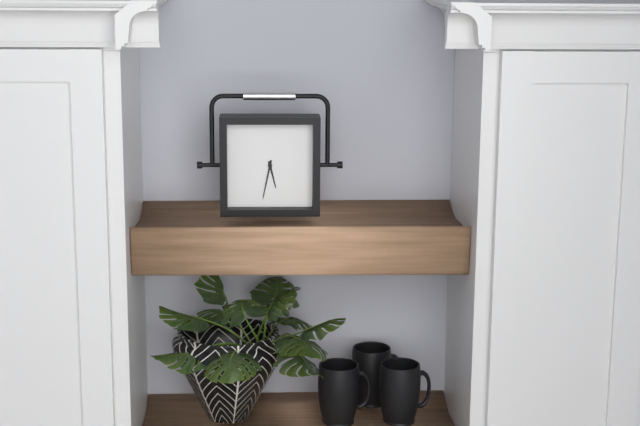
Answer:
5,32
